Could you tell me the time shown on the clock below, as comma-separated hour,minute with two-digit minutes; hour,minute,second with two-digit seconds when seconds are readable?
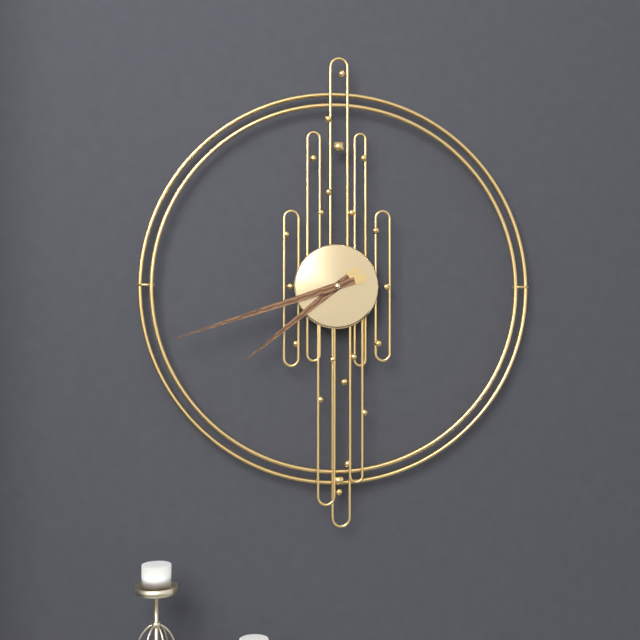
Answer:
7,42
